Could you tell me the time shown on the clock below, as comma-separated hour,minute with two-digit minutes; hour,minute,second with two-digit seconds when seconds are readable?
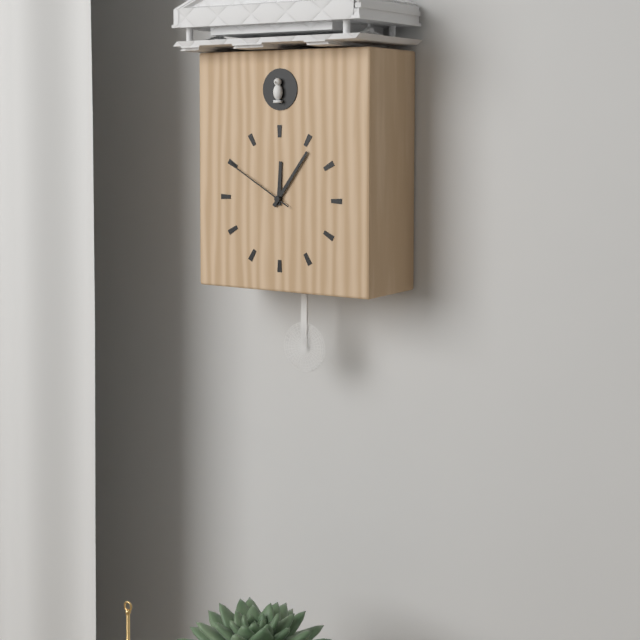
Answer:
12,06,50
